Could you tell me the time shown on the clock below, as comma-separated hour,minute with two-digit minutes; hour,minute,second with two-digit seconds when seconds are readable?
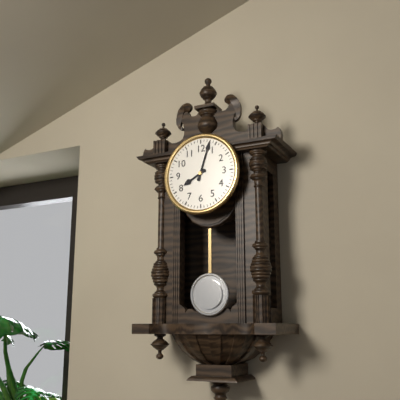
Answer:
8,03
